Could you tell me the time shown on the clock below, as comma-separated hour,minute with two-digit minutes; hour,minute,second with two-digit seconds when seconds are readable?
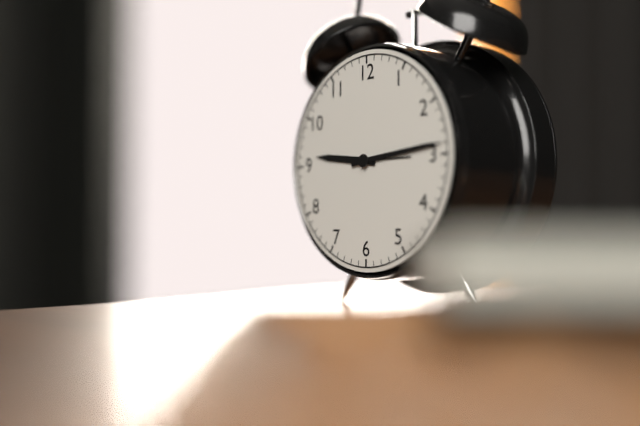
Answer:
9,14
